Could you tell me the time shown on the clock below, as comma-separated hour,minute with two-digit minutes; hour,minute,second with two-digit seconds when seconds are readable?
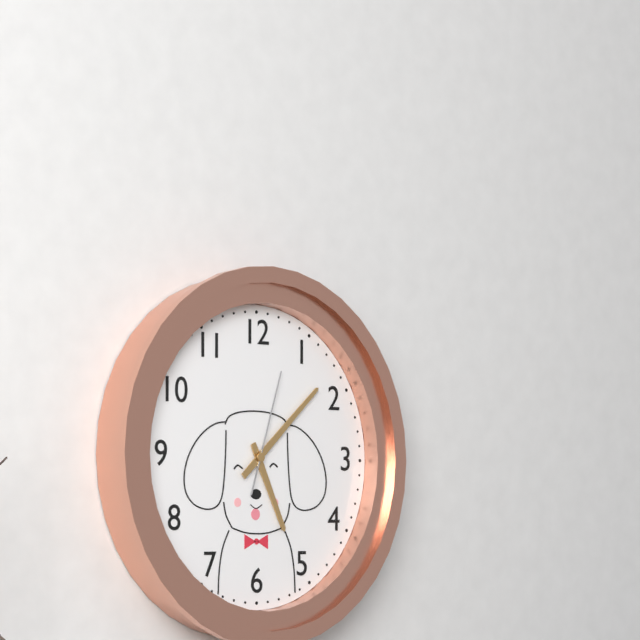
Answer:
5,08,03
